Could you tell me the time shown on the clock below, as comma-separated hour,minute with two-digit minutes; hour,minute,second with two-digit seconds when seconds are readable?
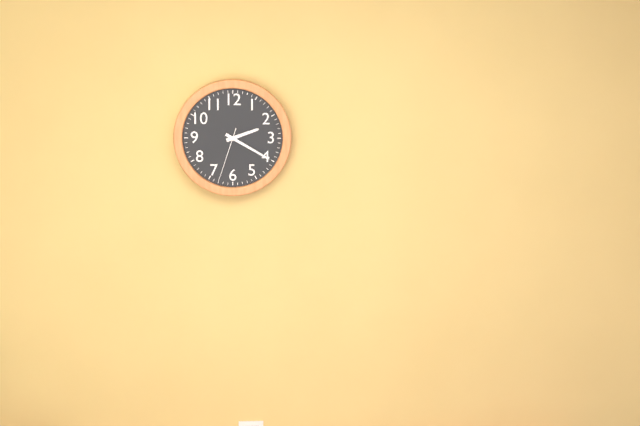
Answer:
2,20,33
